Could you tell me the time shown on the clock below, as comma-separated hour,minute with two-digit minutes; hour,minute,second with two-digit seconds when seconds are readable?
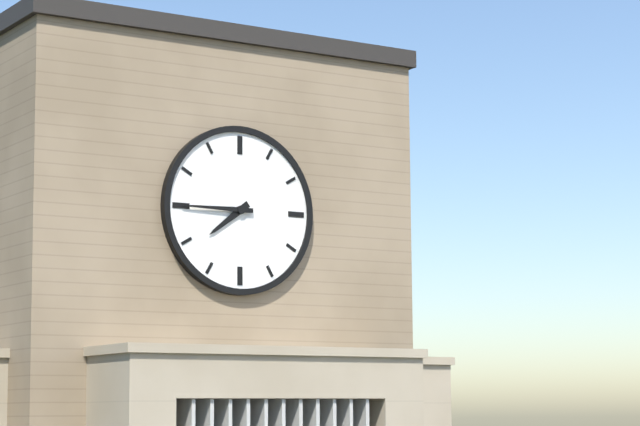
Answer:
7,45
